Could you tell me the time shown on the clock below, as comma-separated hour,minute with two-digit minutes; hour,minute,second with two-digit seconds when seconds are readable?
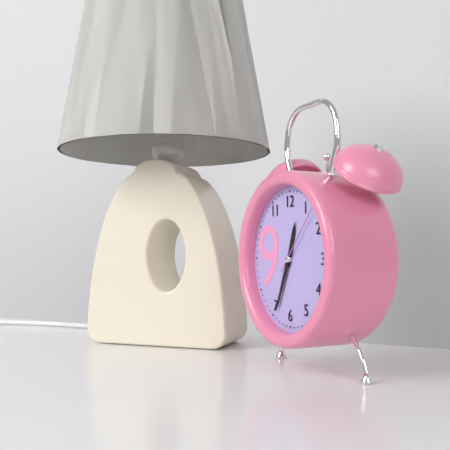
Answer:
12,34,07
